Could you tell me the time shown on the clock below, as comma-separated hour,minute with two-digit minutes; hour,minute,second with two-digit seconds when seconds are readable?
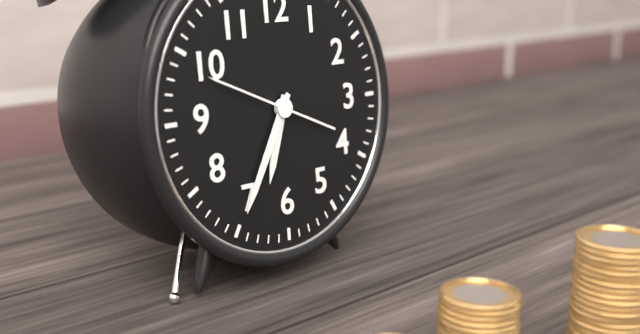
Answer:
6,35,49
